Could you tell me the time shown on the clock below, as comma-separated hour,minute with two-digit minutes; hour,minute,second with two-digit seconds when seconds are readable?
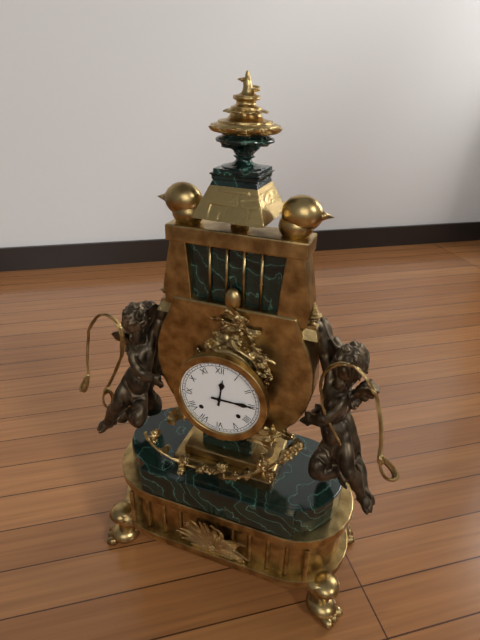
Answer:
12,15
